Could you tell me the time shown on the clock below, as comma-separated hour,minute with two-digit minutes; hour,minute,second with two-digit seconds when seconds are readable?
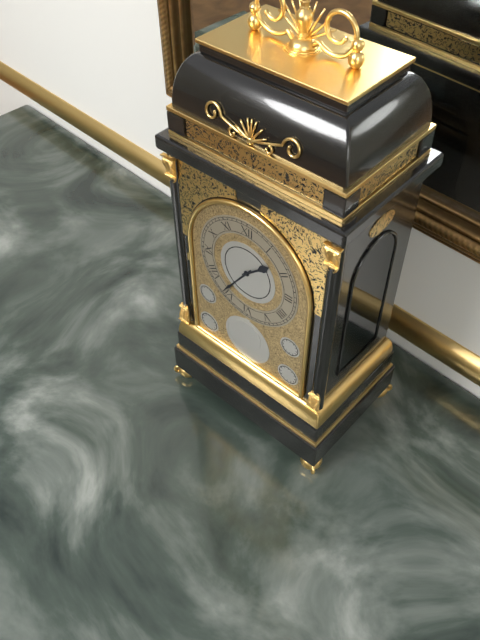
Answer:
1,36
